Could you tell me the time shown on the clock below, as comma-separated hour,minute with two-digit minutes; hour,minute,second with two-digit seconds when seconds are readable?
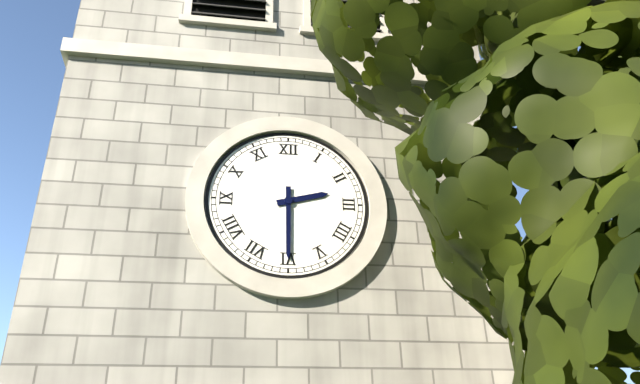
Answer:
2,30
